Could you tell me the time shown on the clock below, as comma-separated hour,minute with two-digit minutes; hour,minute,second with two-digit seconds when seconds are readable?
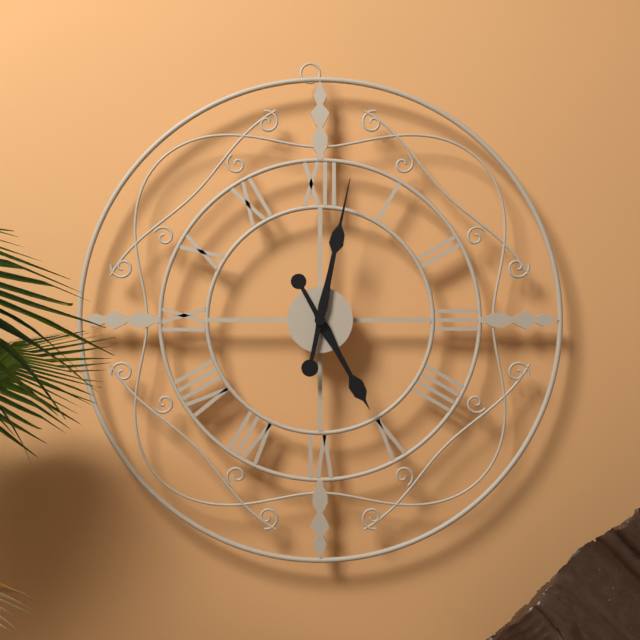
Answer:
5,02
